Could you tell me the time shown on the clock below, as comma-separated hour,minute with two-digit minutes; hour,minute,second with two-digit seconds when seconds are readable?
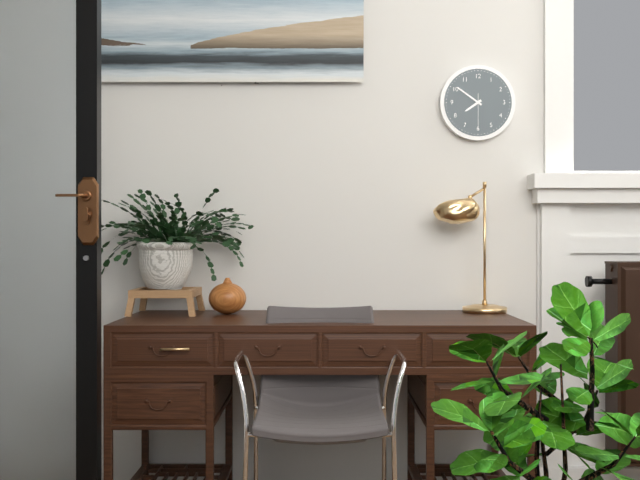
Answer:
7,51
